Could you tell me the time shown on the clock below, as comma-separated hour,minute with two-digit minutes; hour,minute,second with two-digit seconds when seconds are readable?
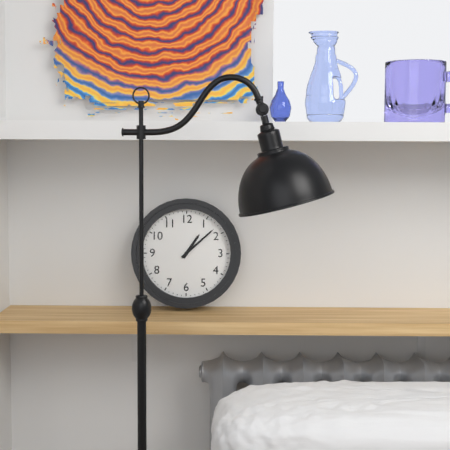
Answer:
1,08
